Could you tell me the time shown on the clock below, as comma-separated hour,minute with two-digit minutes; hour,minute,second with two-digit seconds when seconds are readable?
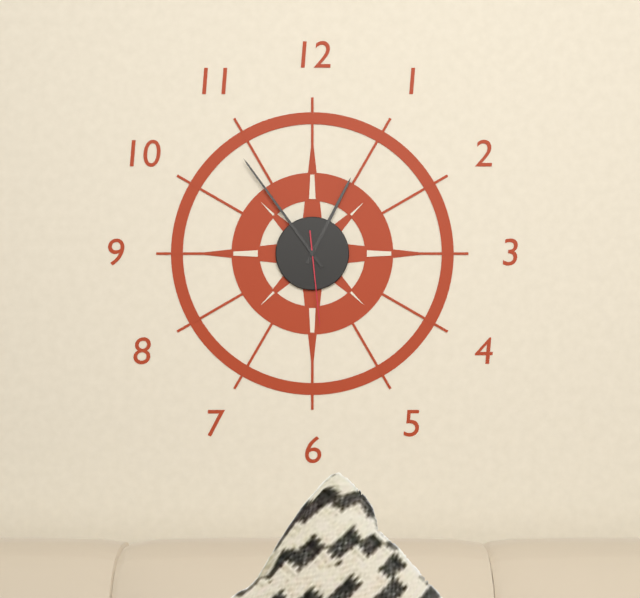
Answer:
12,54,29
